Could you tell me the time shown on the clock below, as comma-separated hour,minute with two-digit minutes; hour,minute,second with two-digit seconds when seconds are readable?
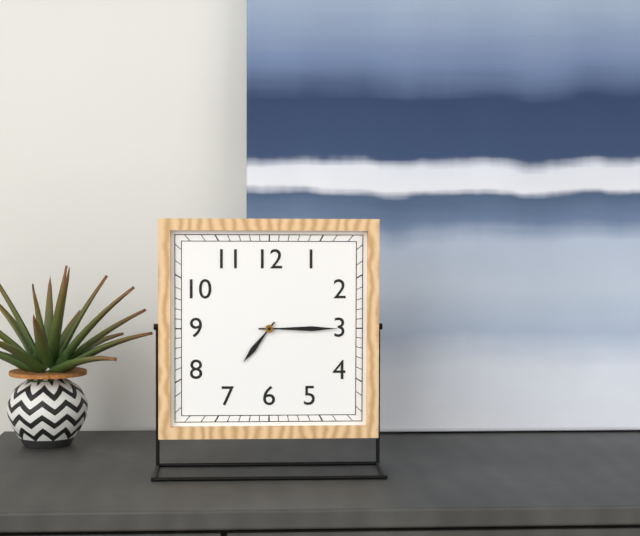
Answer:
7,15
